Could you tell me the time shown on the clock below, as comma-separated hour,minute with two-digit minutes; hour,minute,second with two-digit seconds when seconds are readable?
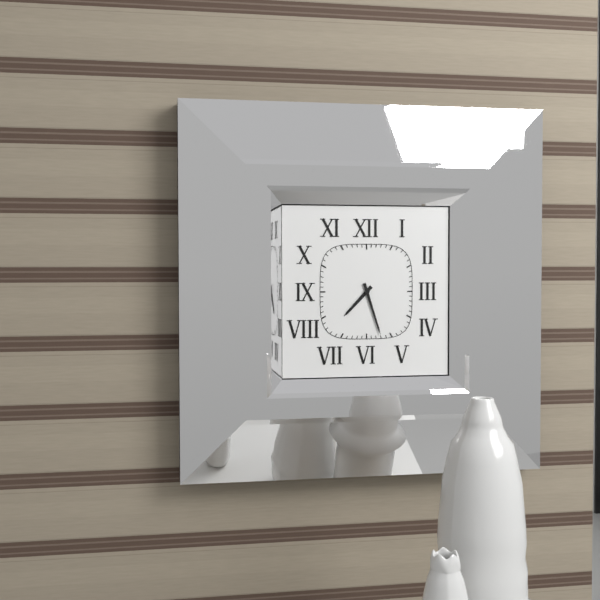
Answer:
7,27
